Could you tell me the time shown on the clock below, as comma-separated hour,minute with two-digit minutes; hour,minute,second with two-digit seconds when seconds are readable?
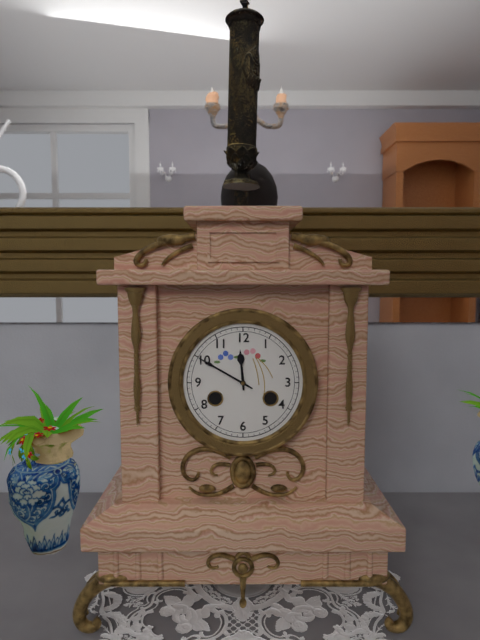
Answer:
11,50
